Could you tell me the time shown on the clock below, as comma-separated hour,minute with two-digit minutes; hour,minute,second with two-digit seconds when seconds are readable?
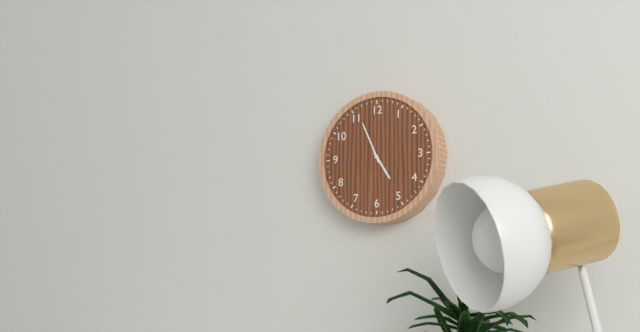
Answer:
4,56
